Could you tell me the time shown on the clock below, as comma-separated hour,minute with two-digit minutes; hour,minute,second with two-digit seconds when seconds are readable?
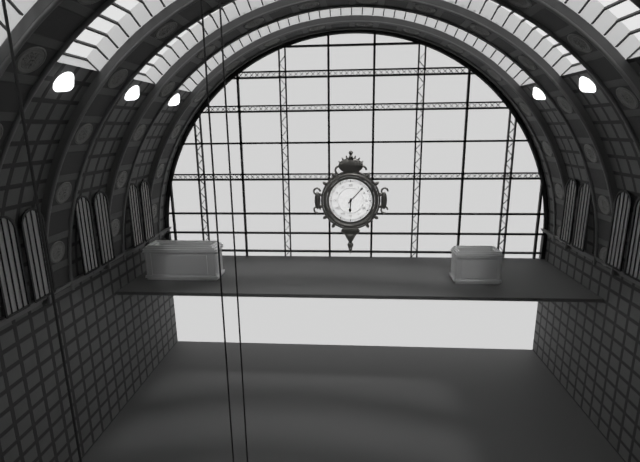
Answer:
6,07
